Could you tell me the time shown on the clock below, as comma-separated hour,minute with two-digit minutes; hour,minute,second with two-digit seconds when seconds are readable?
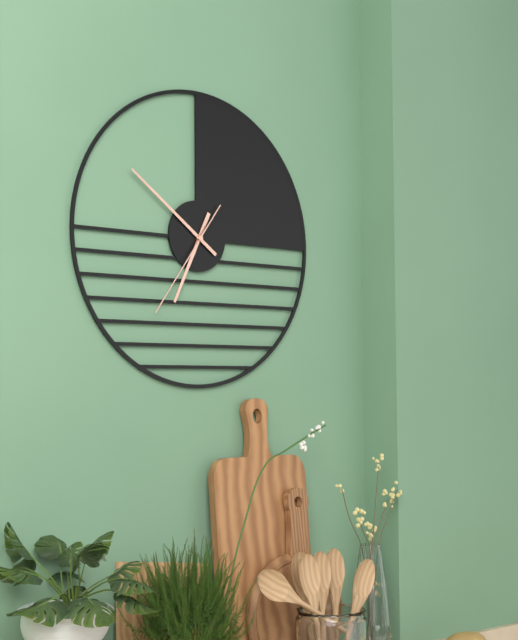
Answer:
6,51,36
